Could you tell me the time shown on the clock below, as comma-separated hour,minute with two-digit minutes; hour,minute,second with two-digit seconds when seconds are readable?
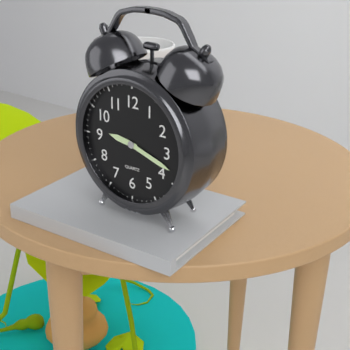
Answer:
9,18
